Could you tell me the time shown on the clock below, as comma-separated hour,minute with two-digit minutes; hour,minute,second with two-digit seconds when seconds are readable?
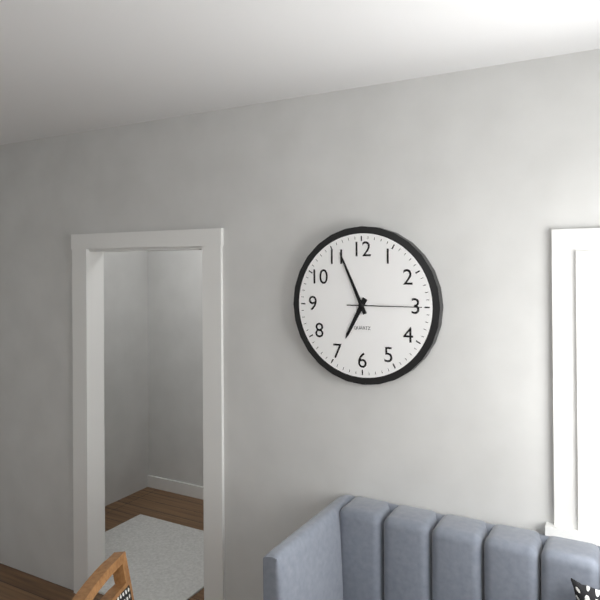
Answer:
6,56,15
